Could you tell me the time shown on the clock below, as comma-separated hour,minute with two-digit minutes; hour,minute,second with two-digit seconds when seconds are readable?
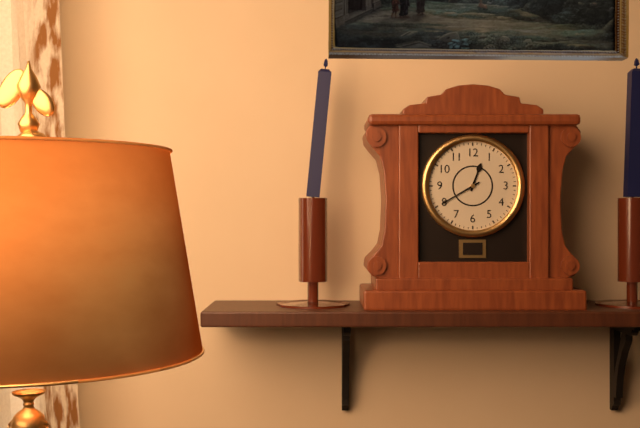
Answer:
12,40
